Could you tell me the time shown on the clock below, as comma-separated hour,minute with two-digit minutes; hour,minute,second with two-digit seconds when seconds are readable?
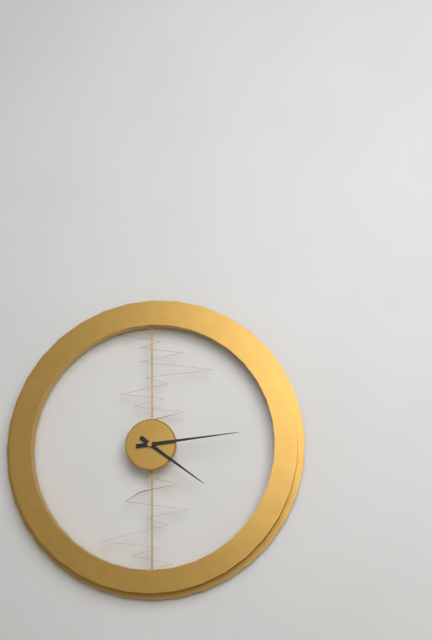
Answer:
4,14
